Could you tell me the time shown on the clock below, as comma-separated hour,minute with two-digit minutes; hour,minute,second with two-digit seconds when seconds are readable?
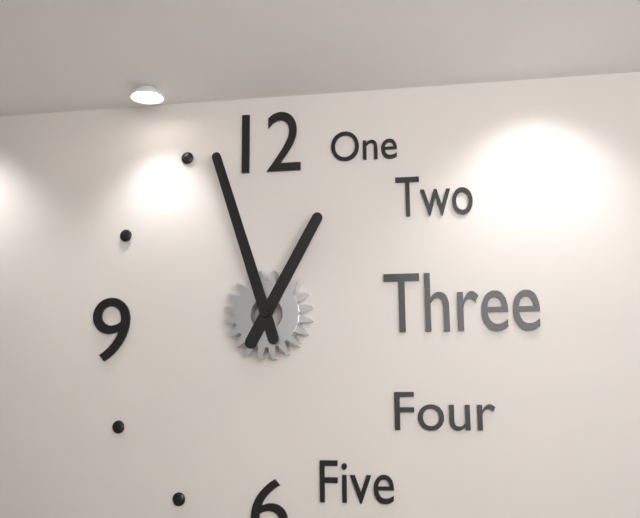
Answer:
12,57
